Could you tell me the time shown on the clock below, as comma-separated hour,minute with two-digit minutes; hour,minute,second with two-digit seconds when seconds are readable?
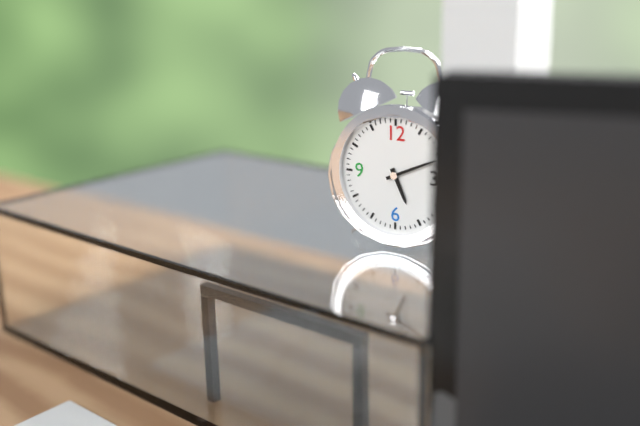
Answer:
5,11
